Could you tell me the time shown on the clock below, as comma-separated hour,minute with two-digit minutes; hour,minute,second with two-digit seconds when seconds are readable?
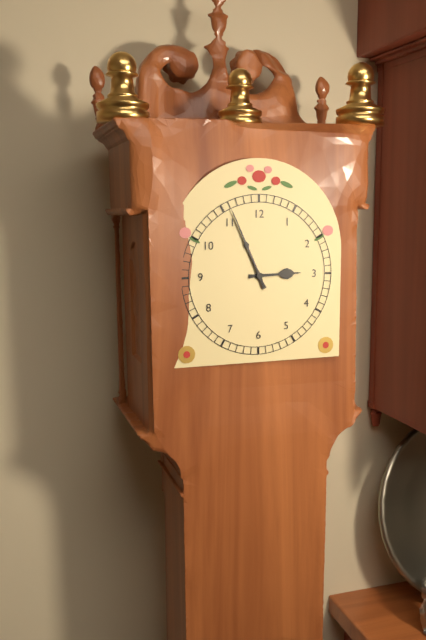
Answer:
2,56
